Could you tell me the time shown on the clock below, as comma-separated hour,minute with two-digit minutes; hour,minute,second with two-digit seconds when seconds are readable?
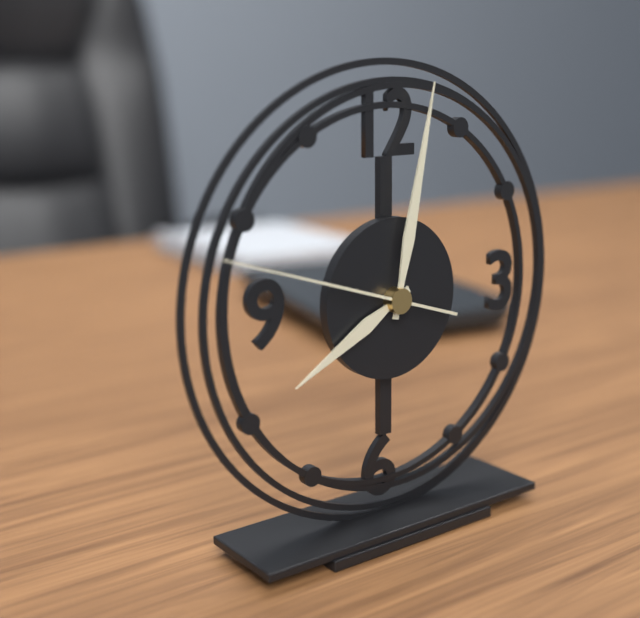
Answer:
8,02,48
